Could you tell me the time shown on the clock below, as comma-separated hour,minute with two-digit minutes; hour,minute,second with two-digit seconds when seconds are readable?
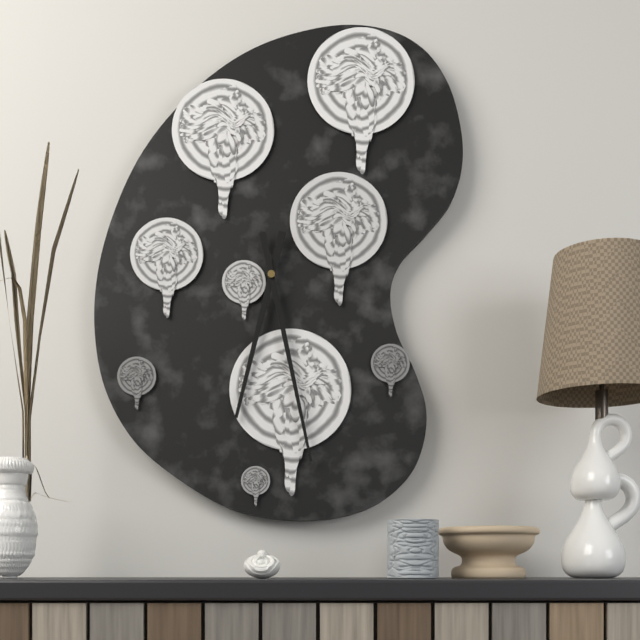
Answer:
6,28
